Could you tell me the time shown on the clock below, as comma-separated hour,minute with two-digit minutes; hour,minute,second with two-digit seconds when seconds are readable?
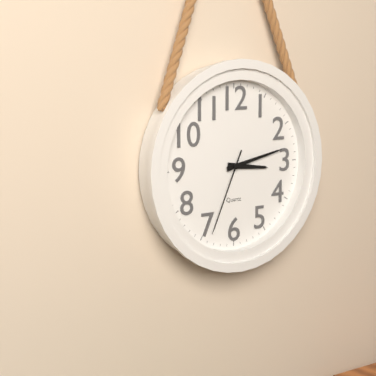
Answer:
3,13,34
